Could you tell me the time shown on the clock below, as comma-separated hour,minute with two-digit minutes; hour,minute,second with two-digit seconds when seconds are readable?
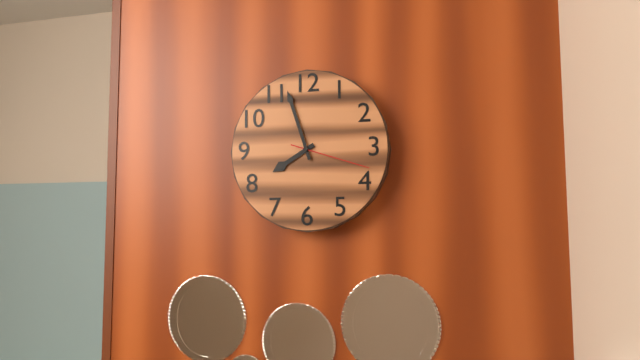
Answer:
7,57,18
